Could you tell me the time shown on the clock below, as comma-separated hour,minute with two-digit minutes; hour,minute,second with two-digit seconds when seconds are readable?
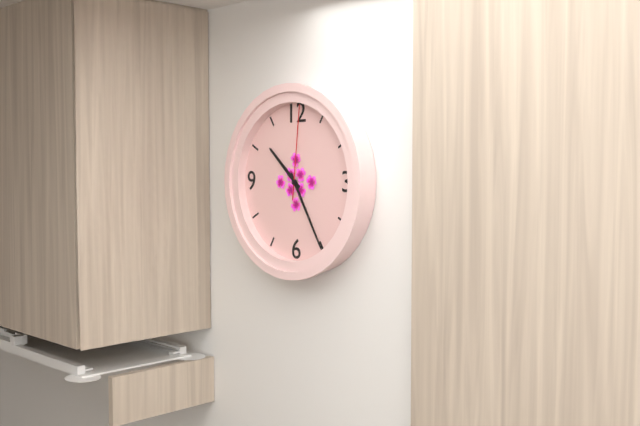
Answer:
10,25,01
